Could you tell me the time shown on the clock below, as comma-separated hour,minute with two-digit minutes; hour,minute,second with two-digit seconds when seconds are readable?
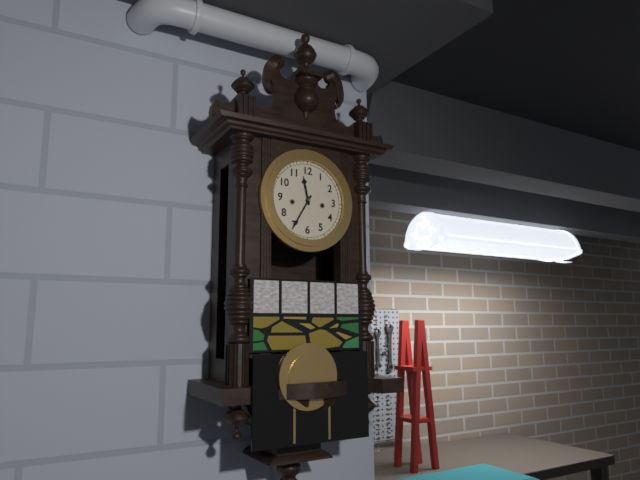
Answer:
11,35
